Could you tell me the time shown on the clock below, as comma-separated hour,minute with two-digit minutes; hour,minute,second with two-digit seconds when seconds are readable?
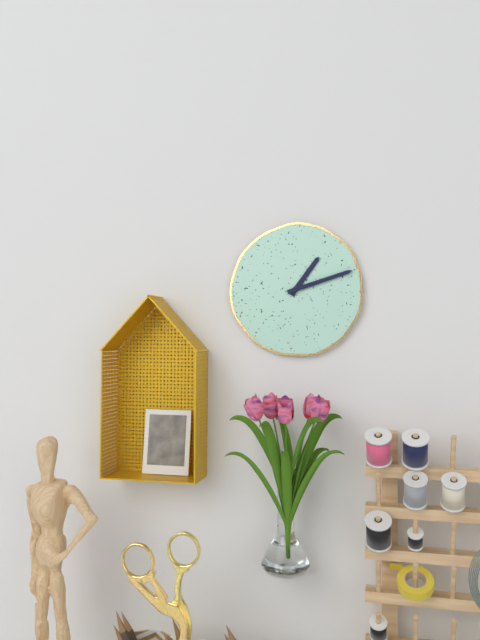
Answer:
1,12
